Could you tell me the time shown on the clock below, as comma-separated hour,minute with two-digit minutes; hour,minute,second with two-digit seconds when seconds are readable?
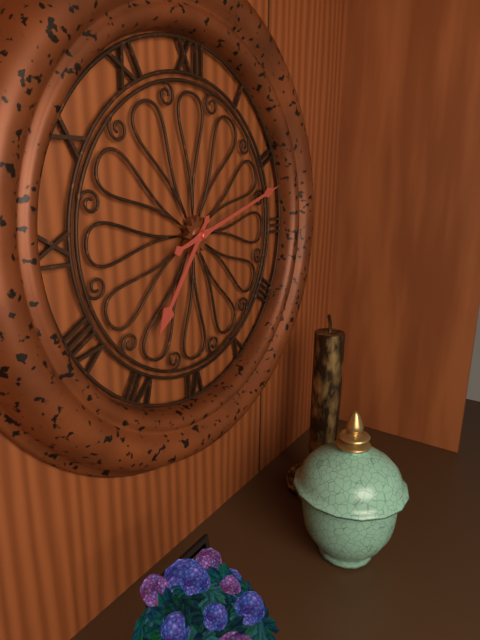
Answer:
7,12
